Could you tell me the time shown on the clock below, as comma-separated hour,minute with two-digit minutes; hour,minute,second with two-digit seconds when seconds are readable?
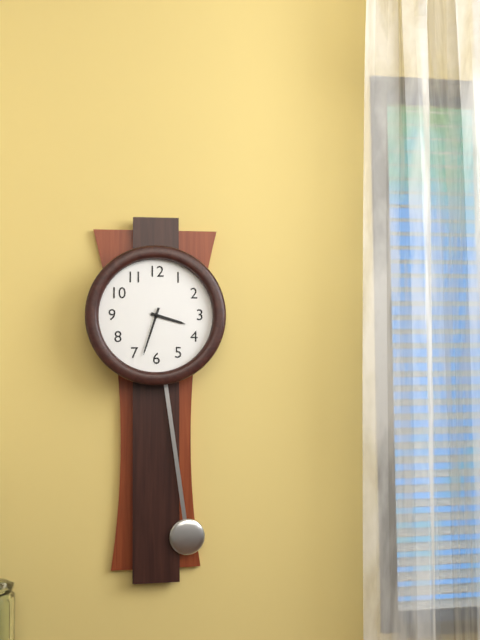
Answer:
3,33
